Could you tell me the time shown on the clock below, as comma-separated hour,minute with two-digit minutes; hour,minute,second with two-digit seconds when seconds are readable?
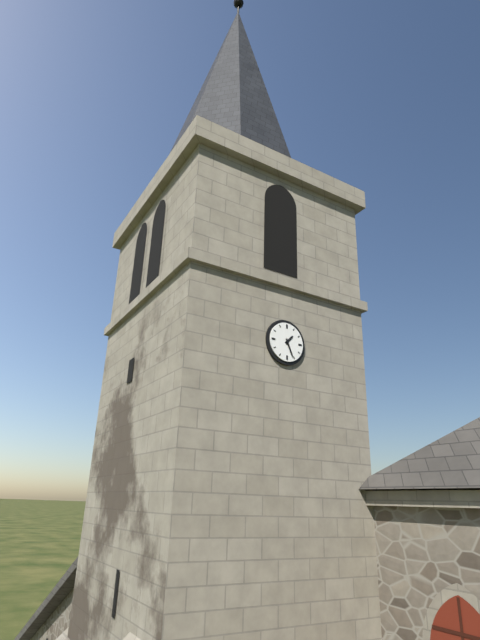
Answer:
1,26
